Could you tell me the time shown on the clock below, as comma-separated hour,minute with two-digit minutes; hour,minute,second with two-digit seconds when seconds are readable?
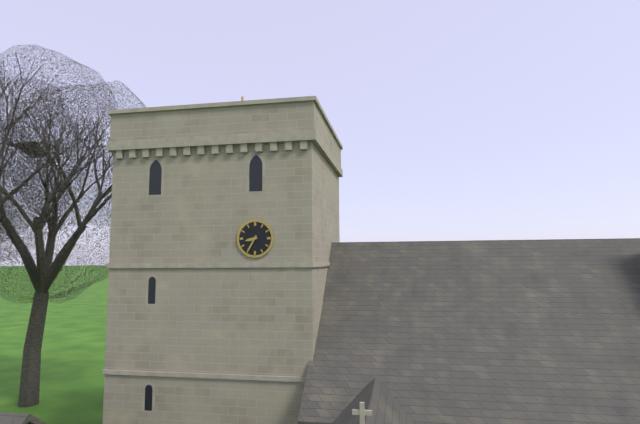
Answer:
8,35
